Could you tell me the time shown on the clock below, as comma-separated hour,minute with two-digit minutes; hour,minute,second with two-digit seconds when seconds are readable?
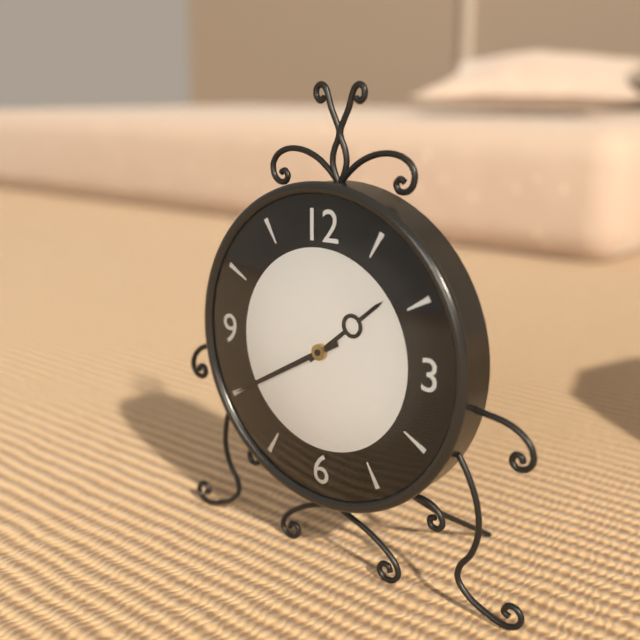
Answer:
1,40
